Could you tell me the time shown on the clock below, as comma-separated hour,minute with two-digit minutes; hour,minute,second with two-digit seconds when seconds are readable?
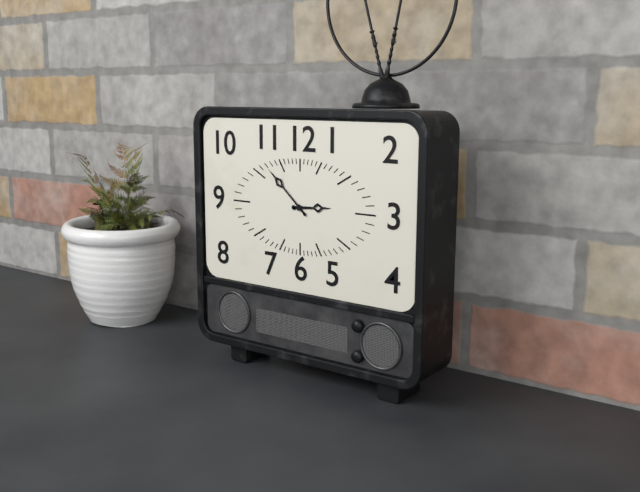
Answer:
2,52
